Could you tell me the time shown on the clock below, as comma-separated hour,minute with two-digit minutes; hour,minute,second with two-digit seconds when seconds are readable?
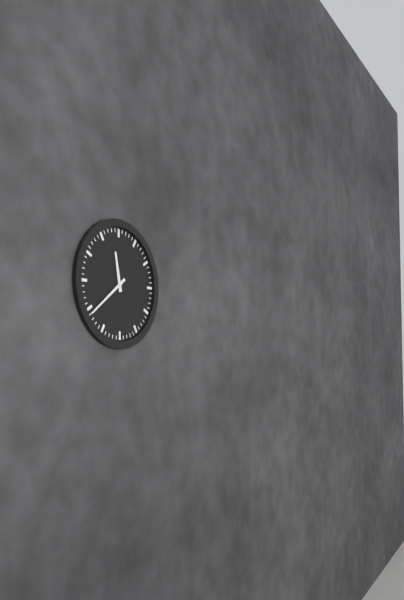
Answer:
11,39
